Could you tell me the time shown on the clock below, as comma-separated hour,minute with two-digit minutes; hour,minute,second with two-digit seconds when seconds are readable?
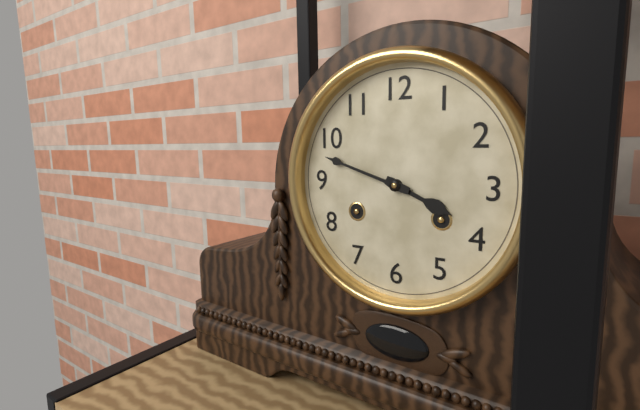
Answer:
3,48
